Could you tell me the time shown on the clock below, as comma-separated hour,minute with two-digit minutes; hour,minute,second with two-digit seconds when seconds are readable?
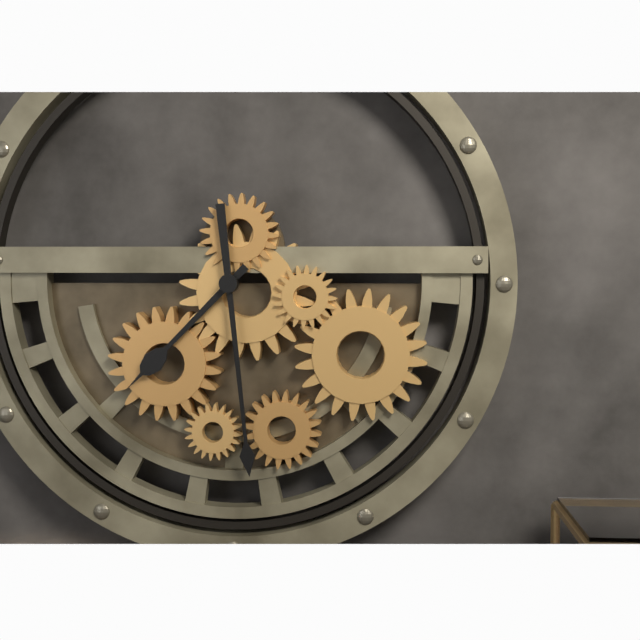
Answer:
7,29
